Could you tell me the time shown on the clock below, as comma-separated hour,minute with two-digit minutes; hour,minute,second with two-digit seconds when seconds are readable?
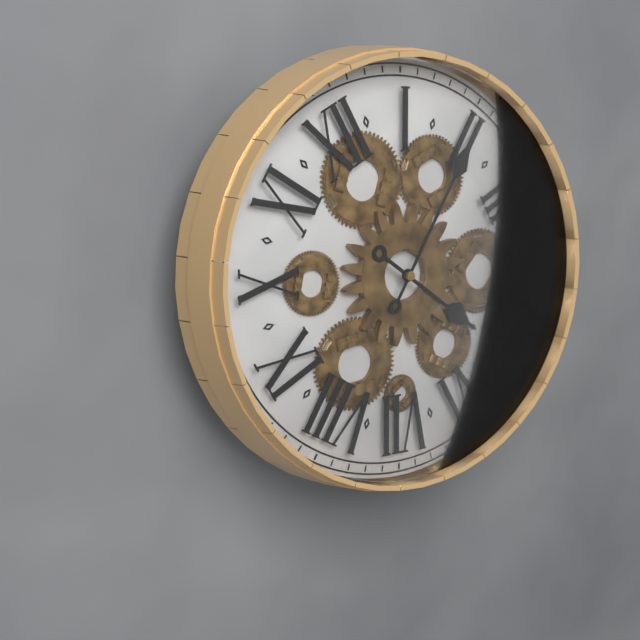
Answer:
5,10
